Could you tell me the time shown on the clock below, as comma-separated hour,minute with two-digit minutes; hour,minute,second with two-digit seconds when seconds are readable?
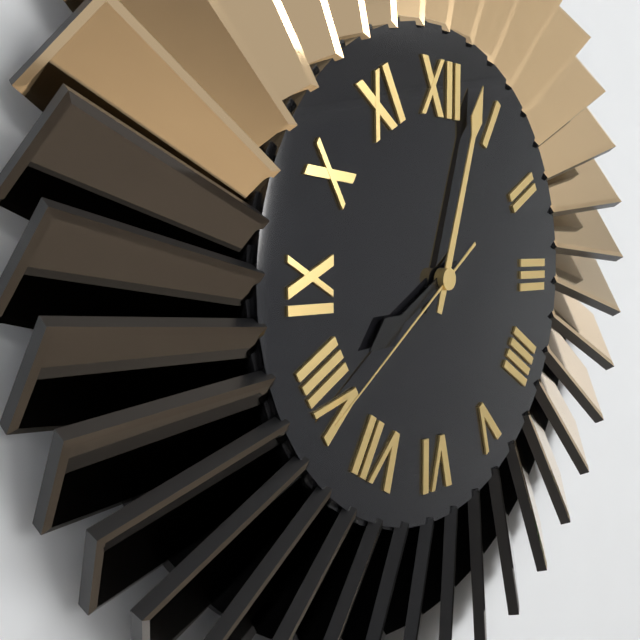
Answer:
8,03,39
